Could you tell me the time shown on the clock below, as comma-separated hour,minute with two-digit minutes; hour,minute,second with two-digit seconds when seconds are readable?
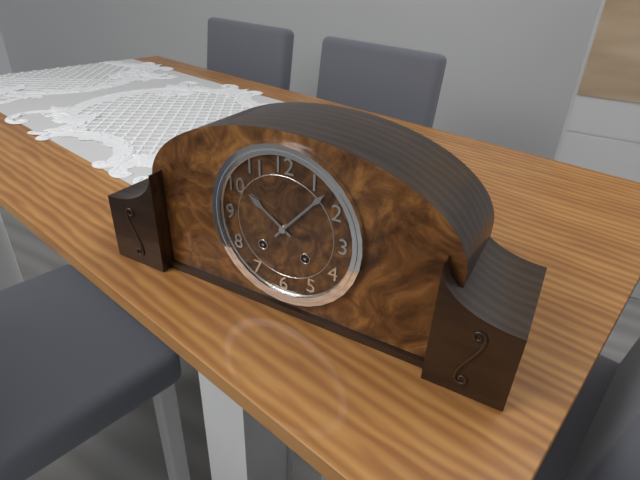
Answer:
10,07
